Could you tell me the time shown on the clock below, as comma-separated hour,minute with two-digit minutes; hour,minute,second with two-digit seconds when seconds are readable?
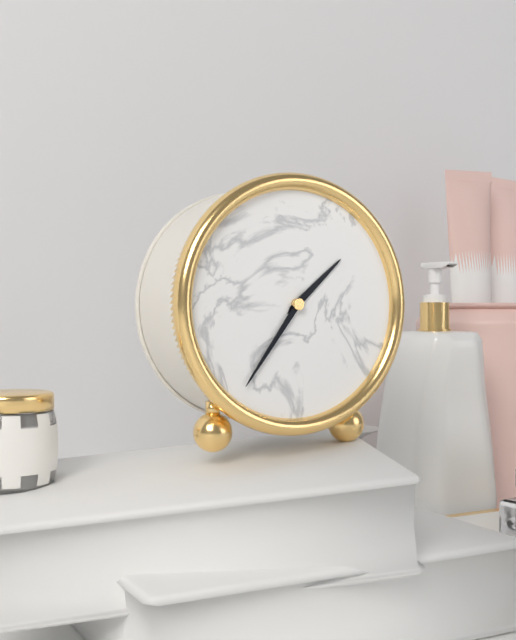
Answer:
1,36
